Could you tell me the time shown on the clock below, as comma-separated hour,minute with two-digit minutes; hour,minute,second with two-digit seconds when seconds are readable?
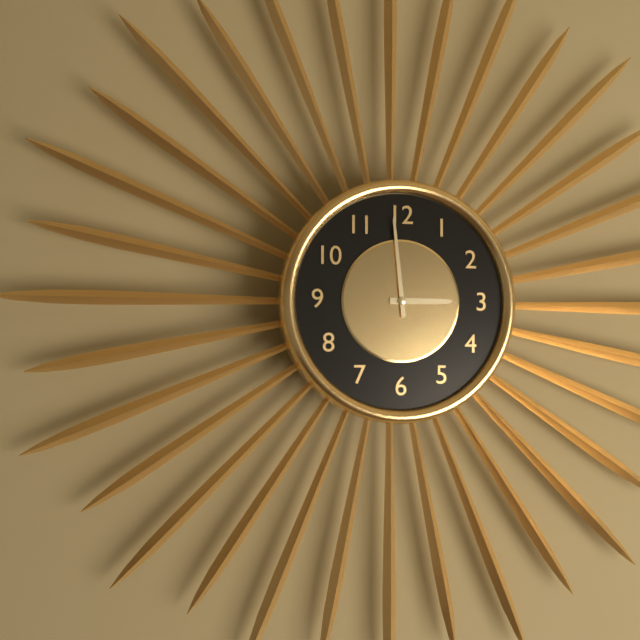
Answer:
2,59
